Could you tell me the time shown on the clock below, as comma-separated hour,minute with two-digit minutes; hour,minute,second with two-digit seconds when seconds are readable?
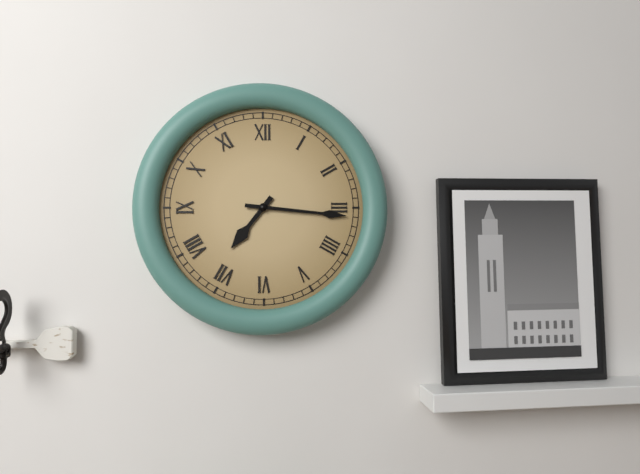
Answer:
7,16
